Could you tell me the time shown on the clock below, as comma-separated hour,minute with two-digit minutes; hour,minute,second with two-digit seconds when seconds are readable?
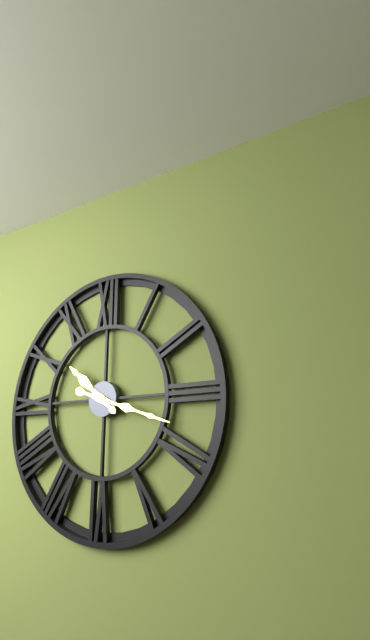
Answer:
10,18
